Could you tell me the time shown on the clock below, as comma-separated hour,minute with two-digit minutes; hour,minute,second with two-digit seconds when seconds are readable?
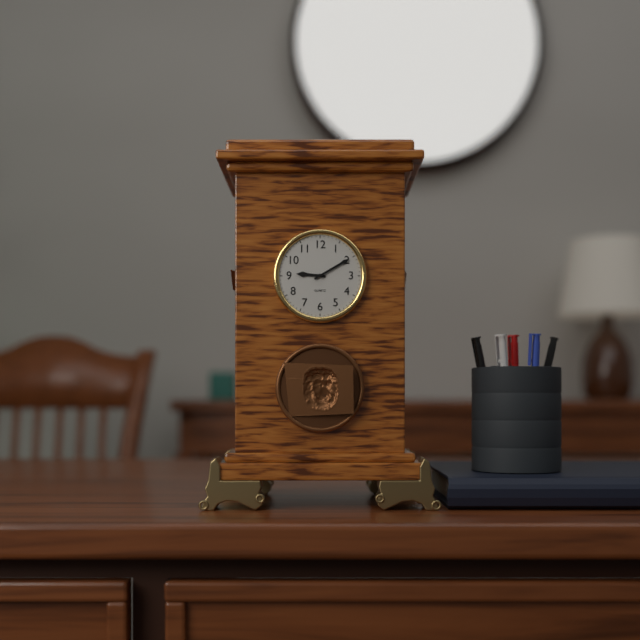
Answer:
9,10
